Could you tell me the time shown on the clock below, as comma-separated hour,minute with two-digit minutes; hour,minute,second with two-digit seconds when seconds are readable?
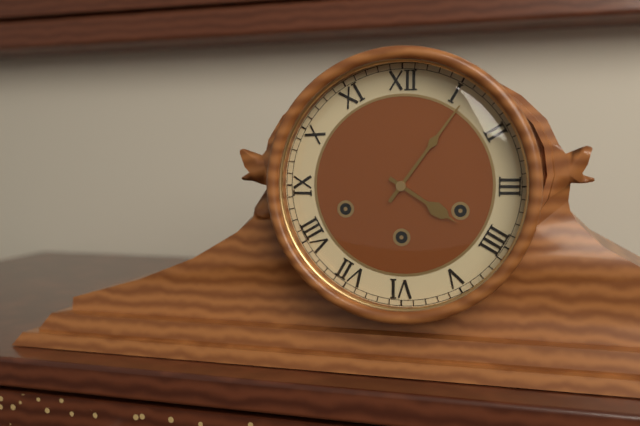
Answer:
4,06
